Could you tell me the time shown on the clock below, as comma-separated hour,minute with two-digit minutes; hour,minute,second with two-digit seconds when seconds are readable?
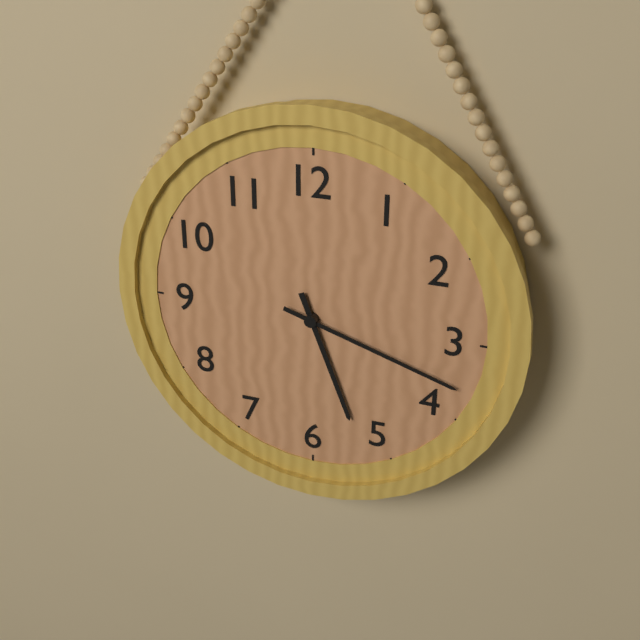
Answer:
5,18
